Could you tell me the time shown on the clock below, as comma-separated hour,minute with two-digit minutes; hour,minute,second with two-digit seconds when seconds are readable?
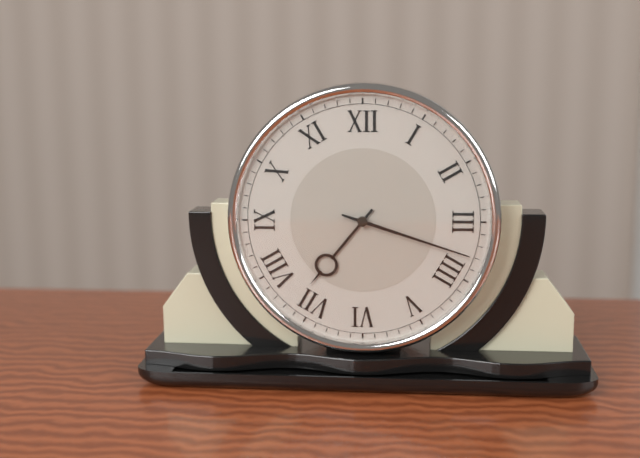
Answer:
7,18
